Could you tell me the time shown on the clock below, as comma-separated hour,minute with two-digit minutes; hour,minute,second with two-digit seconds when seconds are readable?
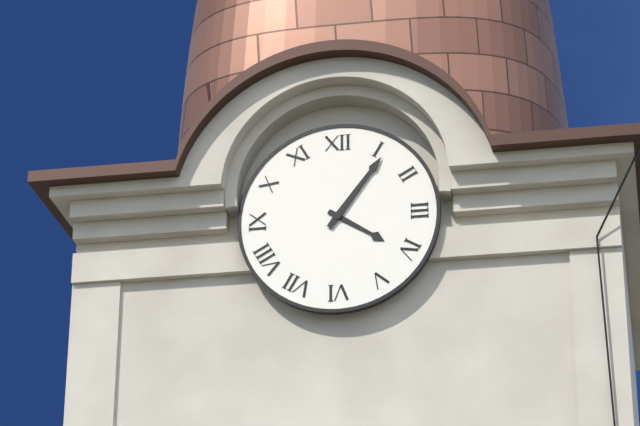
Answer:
4,06
